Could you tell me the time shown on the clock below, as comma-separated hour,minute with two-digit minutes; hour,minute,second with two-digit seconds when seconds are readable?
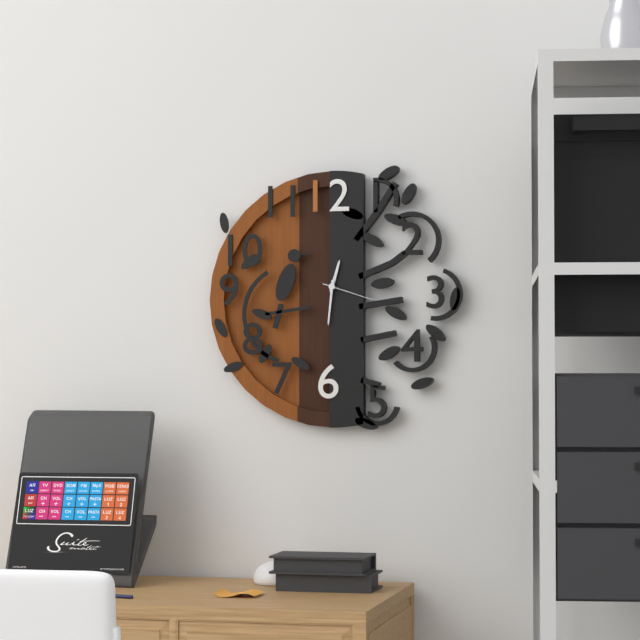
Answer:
12,31
